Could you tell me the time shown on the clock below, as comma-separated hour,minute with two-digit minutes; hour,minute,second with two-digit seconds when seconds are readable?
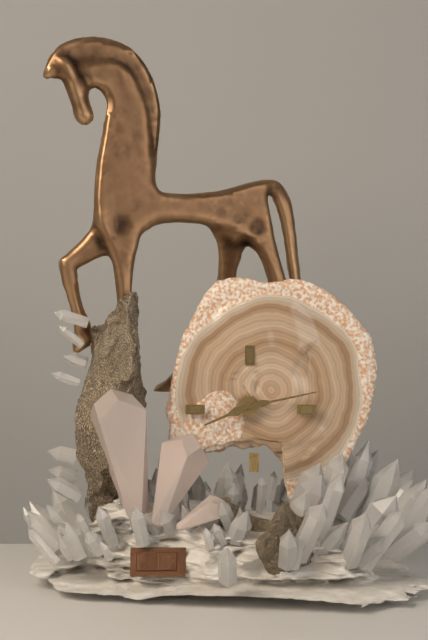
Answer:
8,13
